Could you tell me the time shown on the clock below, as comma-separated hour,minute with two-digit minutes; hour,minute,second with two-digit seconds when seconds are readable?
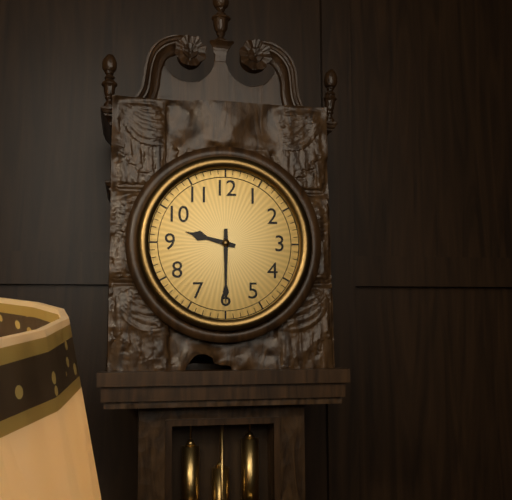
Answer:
9,30
